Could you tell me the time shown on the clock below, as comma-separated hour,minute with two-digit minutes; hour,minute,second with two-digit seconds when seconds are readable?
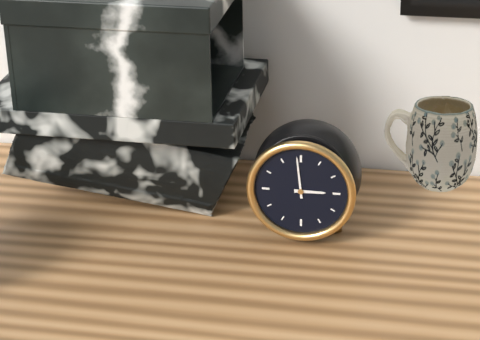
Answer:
2,59
